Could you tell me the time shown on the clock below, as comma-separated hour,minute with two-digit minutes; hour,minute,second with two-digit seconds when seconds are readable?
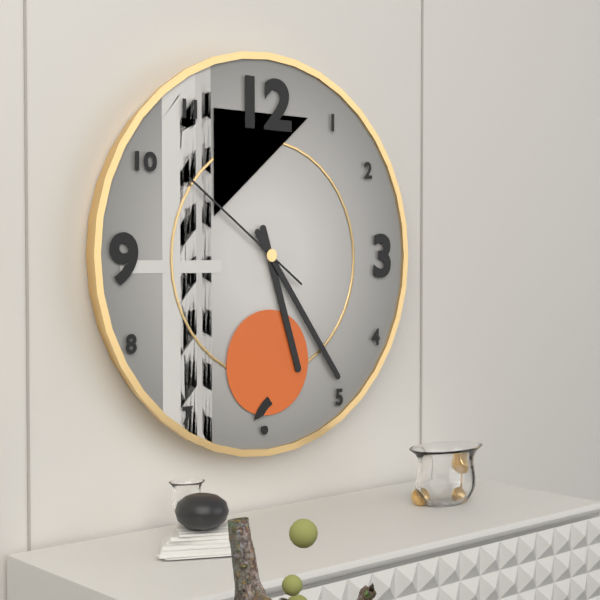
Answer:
5,24,51
